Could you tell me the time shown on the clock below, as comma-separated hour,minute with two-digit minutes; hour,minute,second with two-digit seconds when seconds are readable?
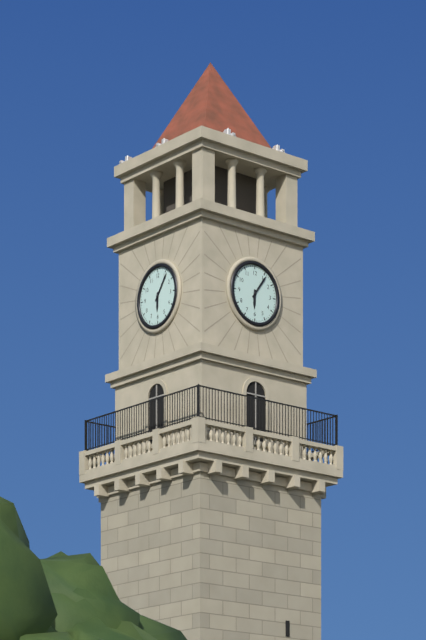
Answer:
6,06
